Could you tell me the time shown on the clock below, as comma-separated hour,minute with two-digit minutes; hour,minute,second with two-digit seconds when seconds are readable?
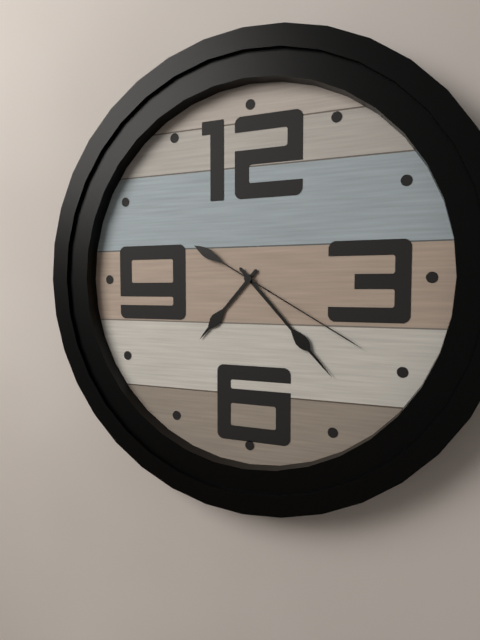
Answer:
7,23,20
